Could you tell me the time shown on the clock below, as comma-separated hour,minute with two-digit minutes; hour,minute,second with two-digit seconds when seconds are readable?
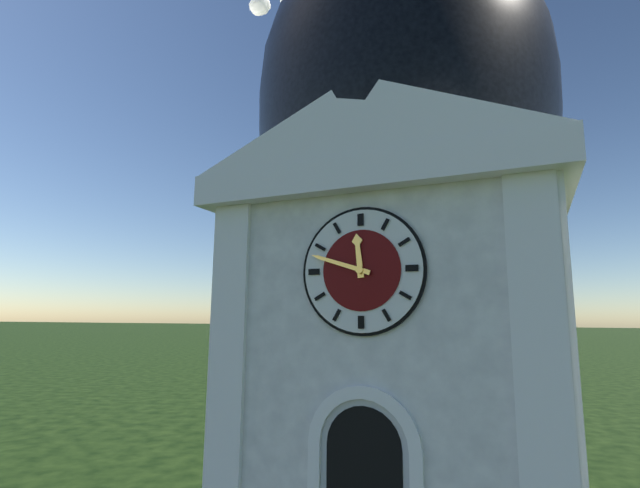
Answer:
11,48
